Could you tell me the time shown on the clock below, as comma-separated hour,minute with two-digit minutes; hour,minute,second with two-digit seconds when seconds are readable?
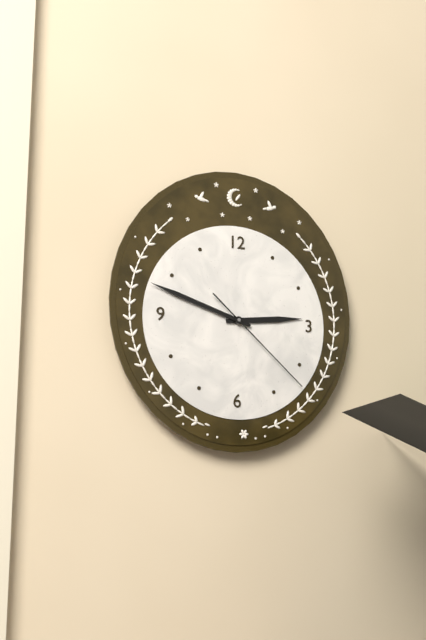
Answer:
2,48,22
